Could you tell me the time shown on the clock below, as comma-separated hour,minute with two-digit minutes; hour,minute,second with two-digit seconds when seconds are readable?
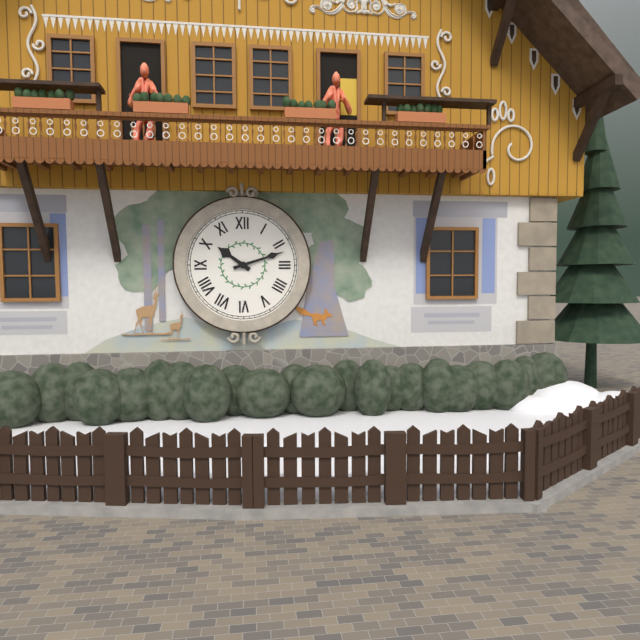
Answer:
10,12
